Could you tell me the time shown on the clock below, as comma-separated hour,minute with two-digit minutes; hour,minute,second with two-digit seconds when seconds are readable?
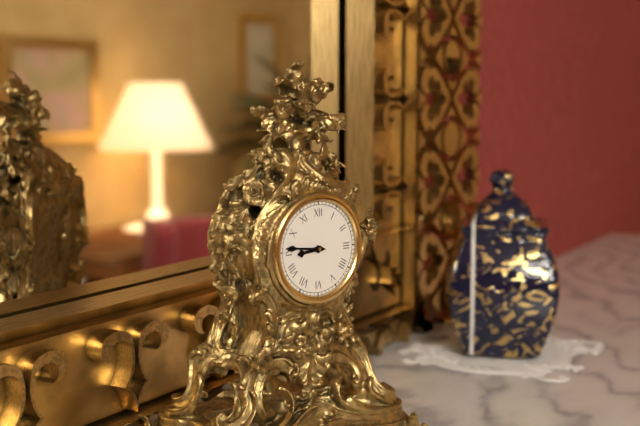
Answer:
8,46
